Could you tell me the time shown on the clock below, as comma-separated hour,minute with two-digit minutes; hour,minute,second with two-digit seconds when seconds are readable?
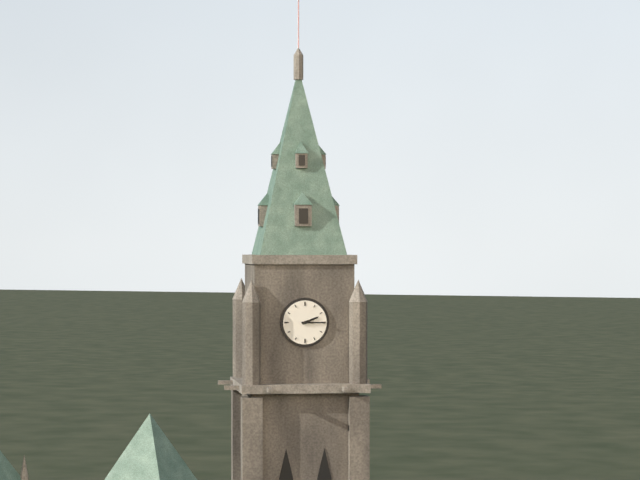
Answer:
2,15
